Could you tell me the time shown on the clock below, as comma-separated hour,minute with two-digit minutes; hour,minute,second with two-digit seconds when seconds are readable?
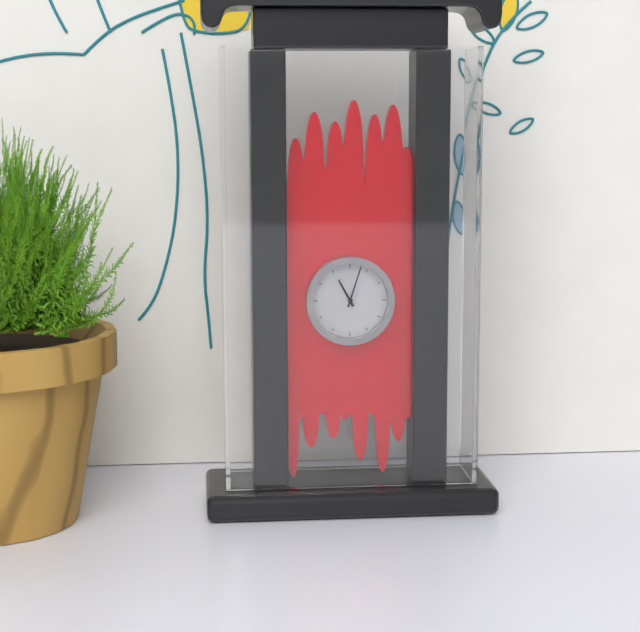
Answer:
11,03
